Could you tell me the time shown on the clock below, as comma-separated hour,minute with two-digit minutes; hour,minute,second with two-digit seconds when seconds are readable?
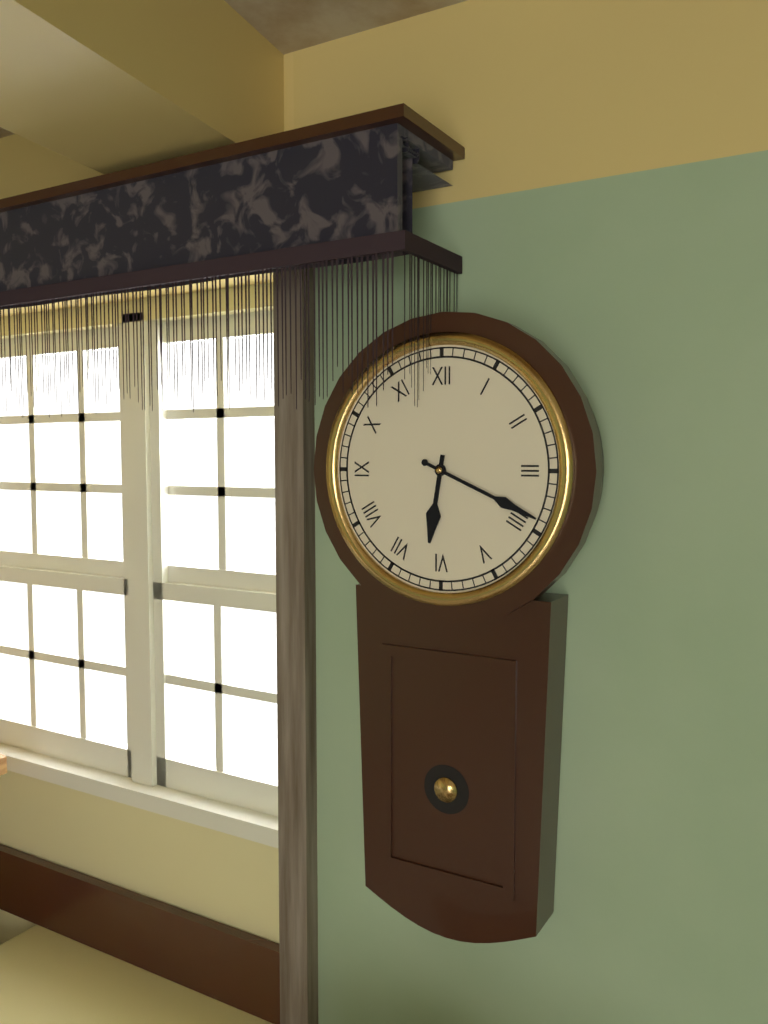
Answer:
6,19
